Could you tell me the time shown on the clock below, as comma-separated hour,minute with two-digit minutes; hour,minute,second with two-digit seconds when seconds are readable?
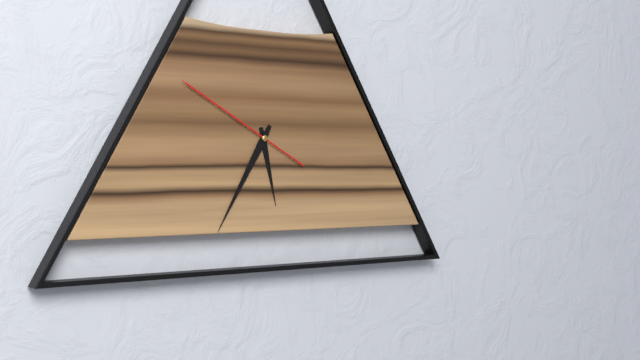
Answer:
5,35,50
